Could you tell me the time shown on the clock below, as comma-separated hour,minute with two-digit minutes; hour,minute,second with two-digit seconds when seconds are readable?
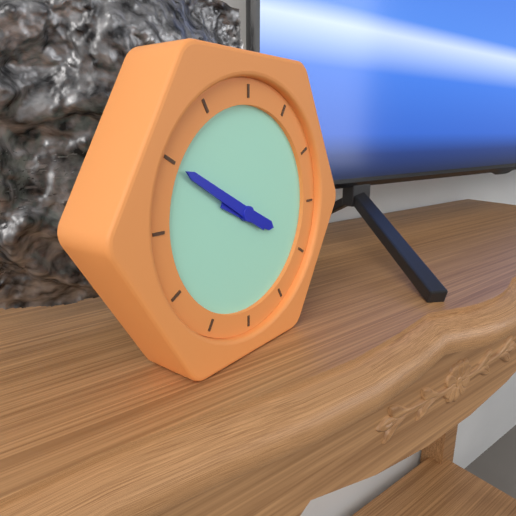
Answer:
3,50
